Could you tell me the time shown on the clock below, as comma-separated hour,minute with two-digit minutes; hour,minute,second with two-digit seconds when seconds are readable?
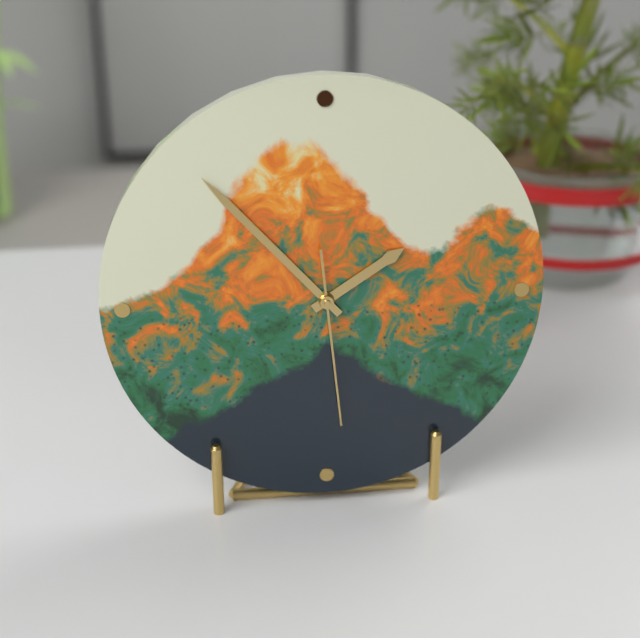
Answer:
1,53,29
